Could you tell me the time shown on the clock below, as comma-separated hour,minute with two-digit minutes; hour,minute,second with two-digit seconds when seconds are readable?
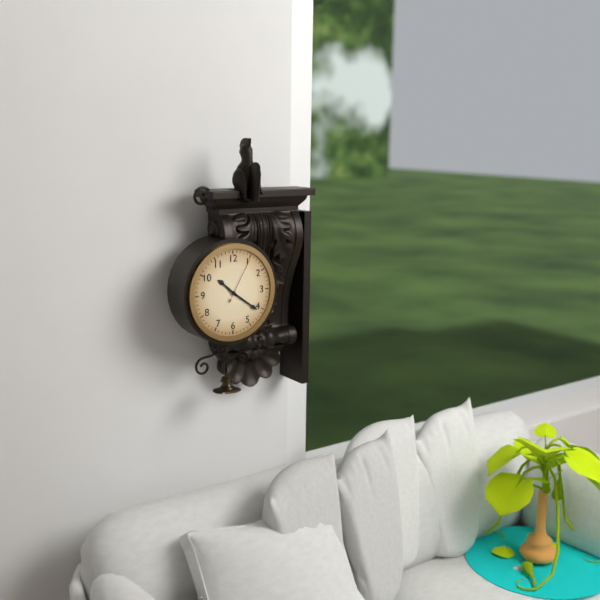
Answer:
10,21
